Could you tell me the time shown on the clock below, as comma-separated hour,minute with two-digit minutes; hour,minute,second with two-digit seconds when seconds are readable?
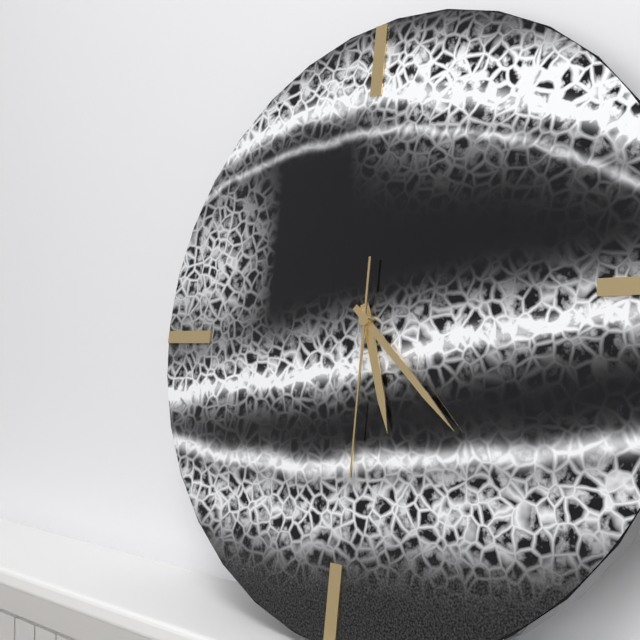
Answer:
5,22,30
